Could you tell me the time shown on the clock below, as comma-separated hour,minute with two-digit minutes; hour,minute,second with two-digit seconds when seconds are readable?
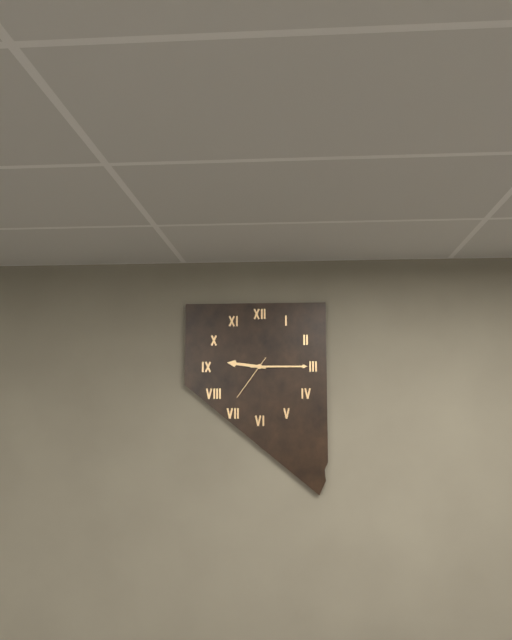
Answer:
9,15
